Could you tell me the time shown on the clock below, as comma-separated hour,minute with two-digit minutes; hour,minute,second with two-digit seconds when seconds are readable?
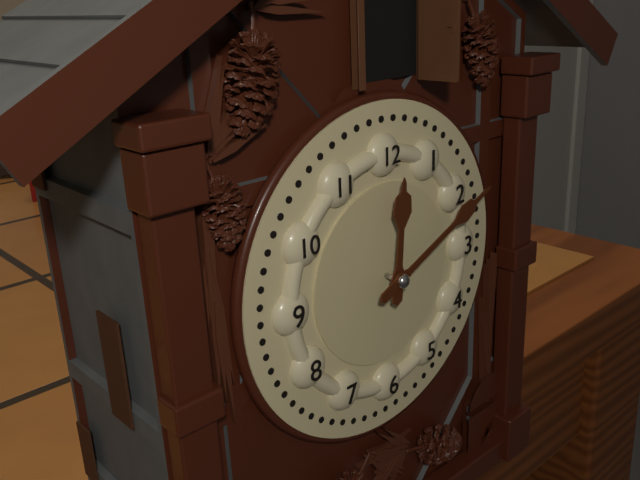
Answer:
12,11
